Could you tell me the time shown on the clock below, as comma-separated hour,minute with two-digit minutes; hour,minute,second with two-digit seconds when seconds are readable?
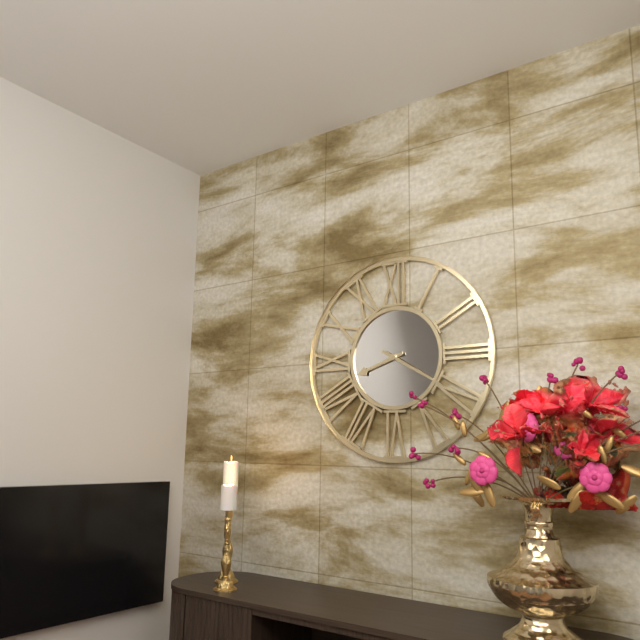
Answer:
8,20
